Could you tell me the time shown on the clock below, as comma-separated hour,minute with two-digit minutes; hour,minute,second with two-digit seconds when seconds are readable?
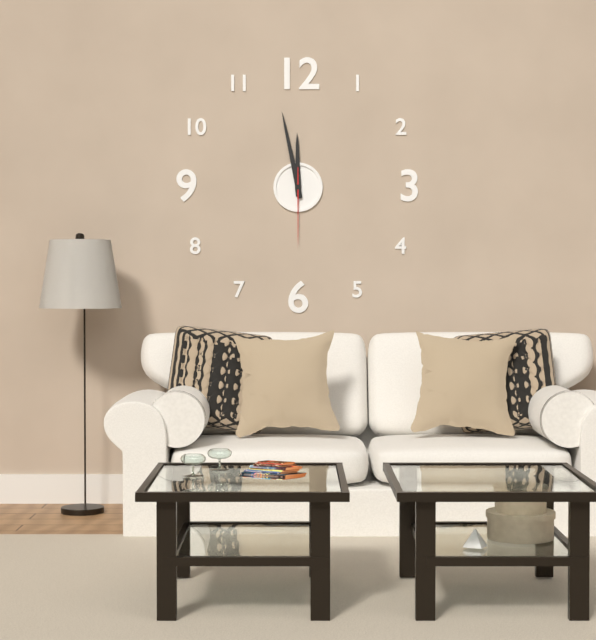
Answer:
11,58,30
